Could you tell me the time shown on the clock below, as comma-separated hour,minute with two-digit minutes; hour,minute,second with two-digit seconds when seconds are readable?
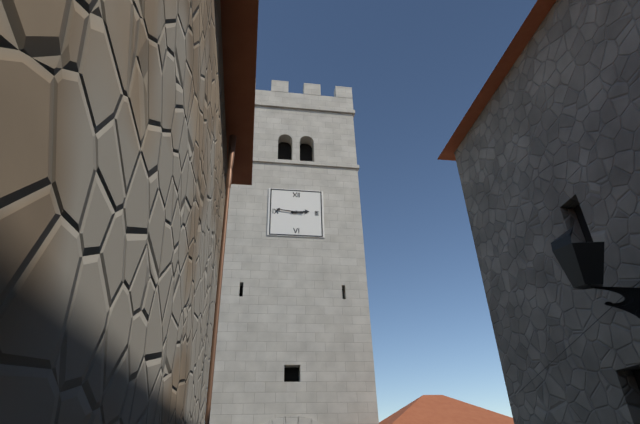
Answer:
2,46
